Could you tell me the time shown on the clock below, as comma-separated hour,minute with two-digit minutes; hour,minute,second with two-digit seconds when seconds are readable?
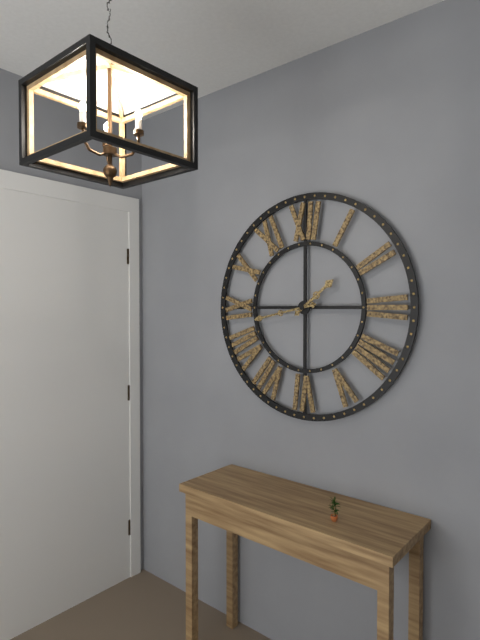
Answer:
1,43
